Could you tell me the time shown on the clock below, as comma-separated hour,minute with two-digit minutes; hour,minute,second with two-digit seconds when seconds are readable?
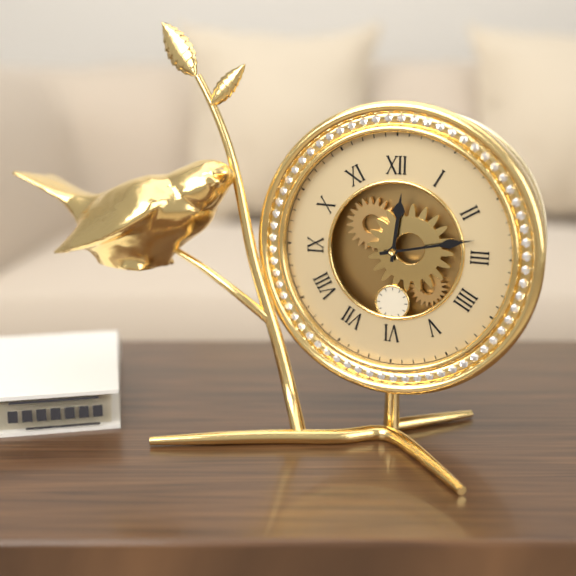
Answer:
12,13
